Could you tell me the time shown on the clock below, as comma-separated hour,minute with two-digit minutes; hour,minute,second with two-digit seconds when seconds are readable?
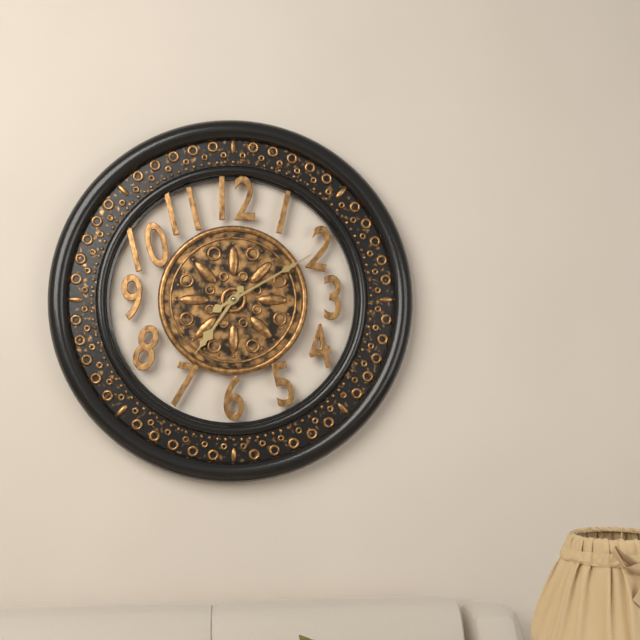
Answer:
7,10
